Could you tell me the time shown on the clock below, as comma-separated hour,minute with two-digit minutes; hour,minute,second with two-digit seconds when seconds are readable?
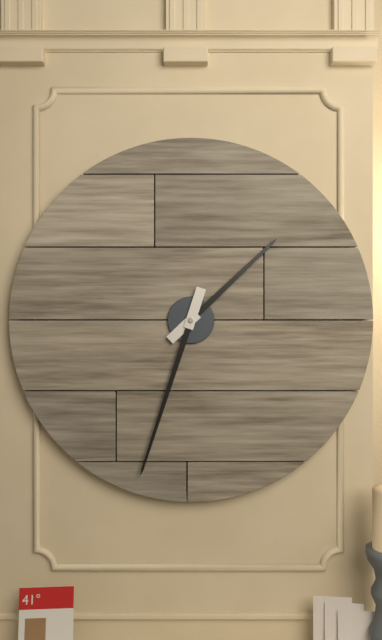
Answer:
1,33
